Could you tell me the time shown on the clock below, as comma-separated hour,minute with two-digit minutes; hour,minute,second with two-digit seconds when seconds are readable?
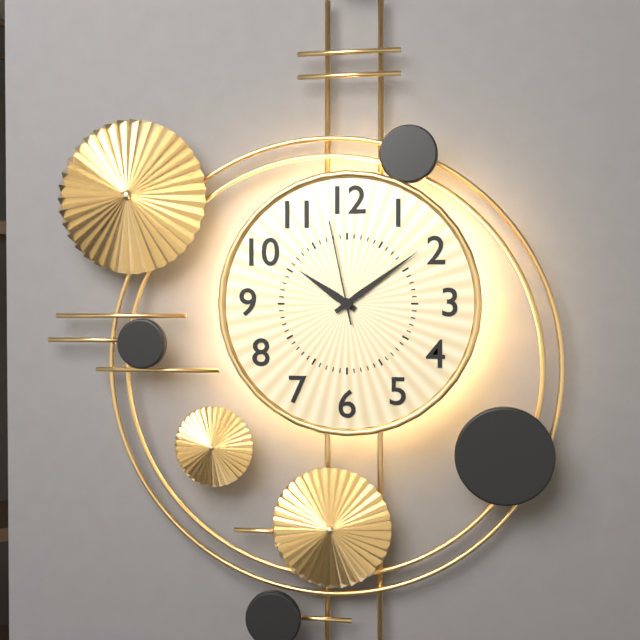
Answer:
10,09,58
